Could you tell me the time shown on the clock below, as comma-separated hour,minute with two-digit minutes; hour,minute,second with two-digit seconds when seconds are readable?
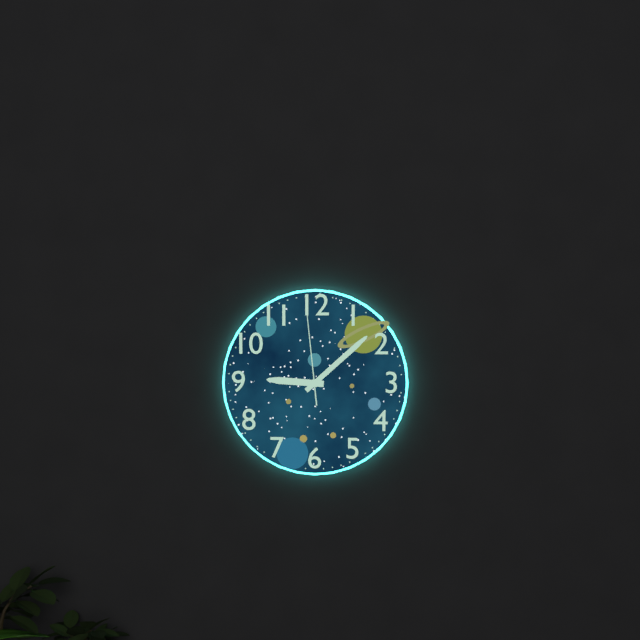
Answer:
9,08,59
